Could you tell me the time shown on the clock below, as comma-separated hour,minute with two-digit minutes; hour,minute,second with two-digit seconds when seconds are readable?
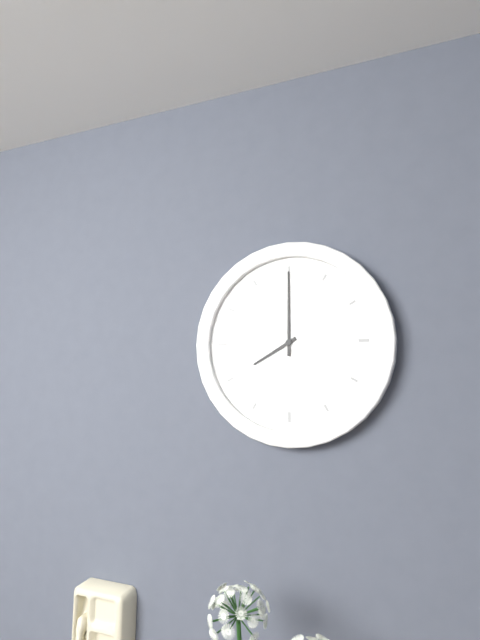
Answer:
8,00
